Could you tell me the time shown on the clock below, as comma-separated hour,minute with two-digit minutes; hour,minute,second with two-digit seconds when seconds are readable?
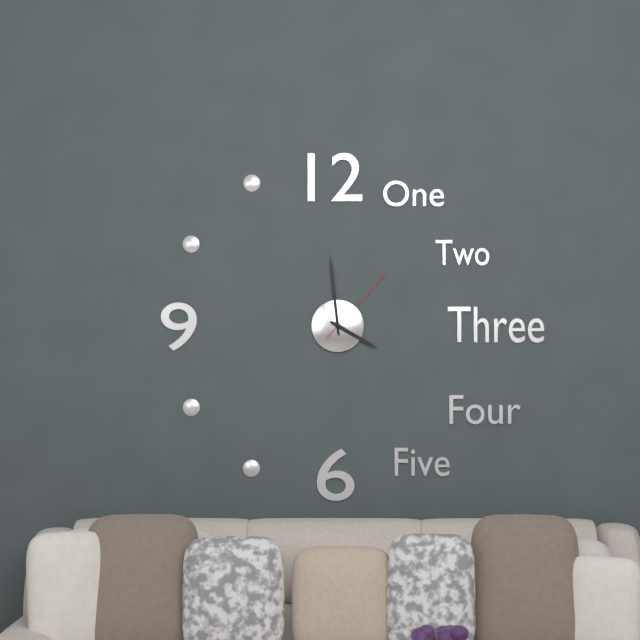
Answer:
3,59,07
